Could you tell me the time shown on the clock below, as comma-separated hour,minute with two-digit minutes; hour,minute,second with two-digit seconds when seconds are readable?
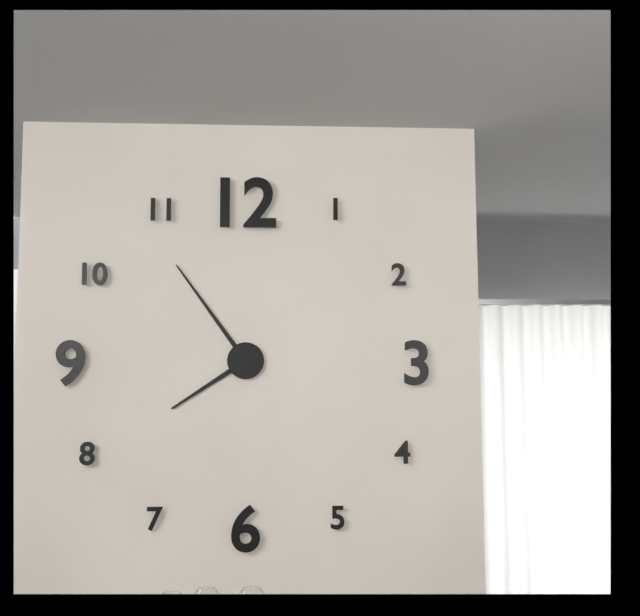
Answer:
7,54
